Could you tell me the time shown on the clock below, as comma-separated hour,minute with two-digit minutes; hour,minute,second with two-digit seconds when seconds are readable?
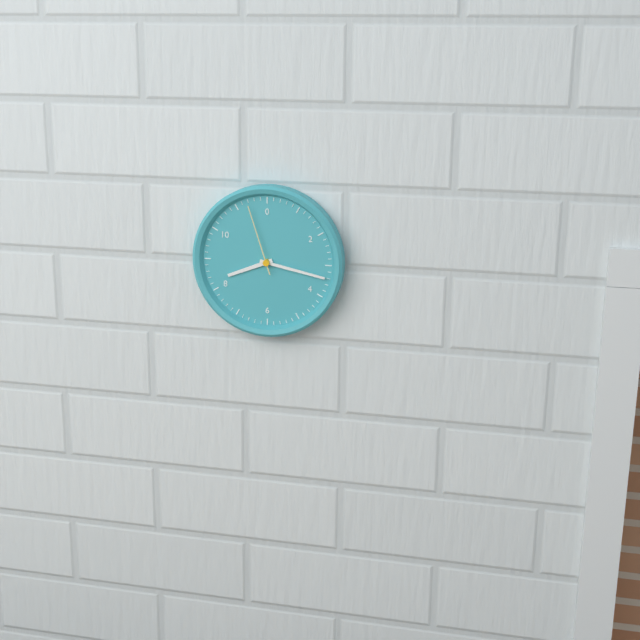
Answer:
8,17,57
